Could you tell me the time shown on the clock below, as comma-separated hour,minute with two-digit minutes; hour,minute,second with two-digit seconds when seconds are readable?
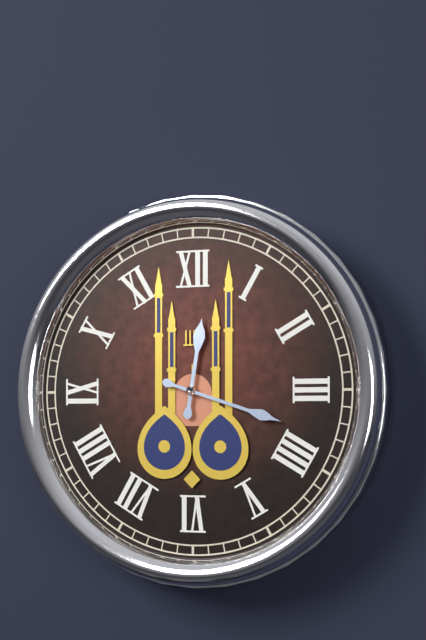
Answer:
12,18
